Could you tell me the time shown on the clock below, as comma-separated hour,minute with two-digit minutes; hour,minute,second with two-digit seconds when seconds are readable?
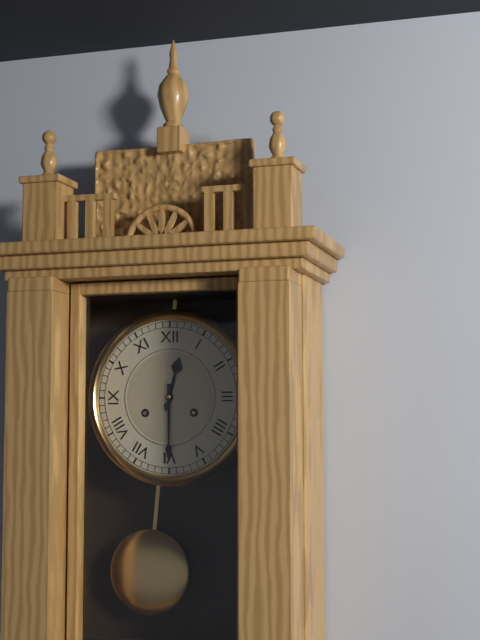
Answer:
12,30
